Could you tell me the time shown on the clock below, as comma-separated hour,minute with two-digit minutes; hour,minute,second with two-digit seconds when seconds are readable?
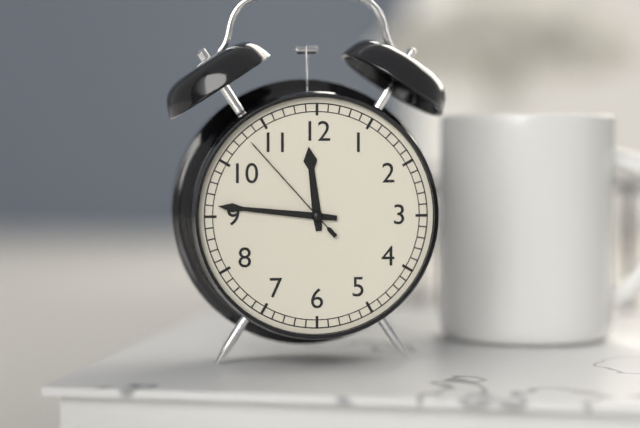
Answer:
11,46,53
